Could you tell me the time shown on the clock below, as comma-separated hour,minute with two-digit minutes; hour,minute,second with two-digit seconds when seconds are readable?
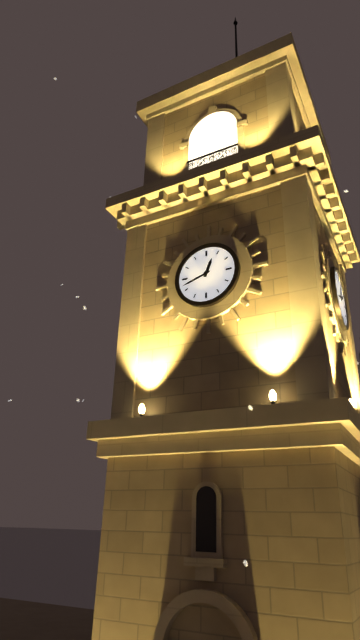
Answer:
12,42
